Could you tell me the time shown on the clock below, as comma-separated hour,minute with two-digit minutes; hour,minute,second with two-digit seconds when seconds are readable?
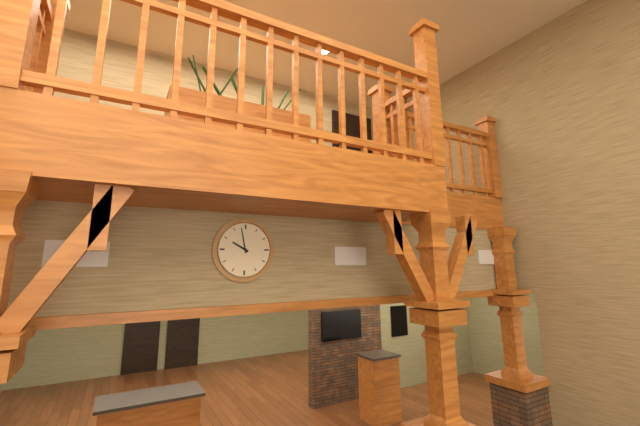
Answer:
9,58
